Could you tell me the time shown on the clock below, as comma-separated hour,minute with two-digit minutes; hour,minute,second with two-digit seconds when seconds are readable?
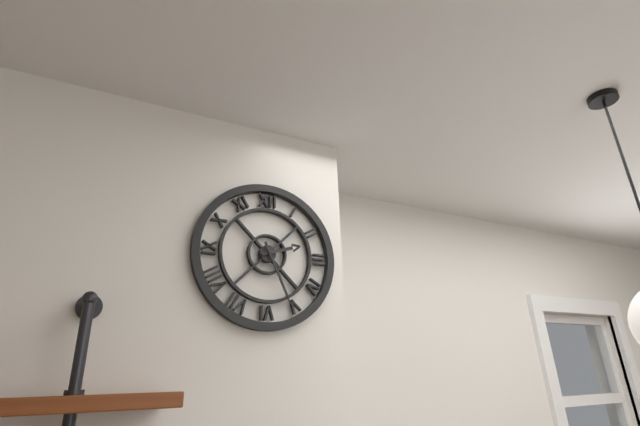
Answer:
2,26
